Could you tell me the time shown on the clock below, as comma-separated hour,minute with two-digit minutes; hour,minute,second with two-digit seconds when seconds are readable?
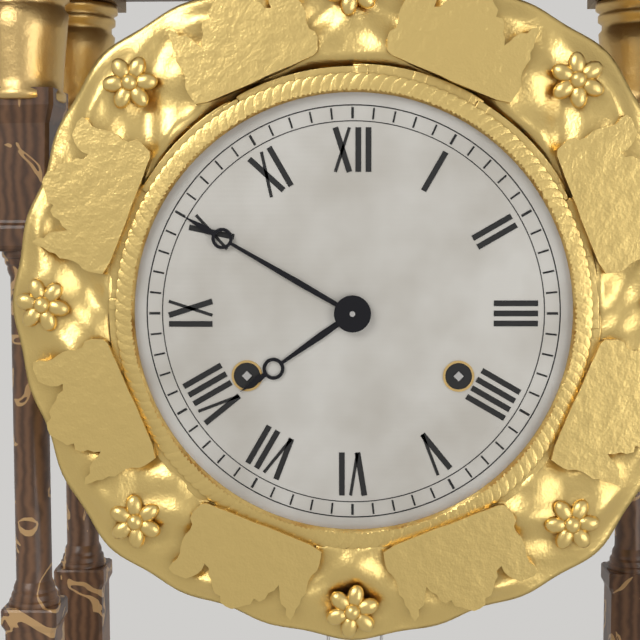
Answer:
7,50
